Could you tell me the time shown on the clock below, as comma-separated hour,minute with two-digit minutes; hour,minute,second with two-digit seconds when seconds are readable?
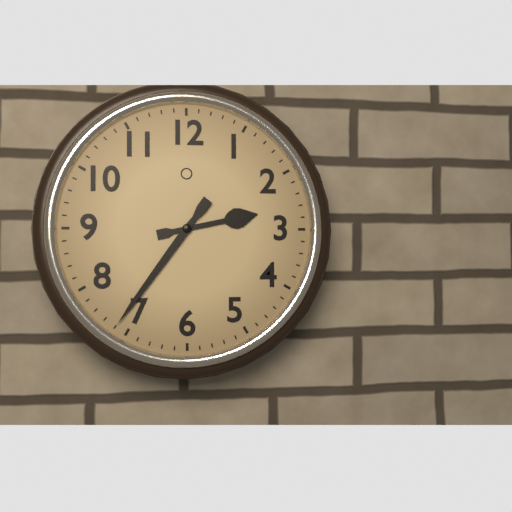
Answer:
2,36
